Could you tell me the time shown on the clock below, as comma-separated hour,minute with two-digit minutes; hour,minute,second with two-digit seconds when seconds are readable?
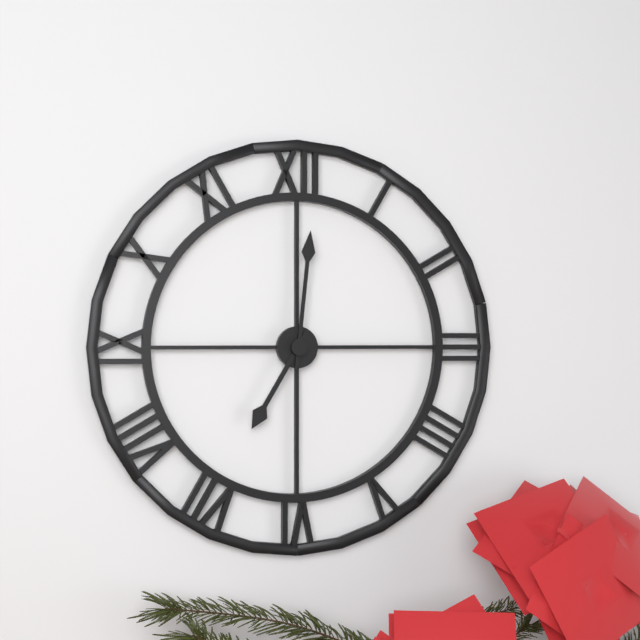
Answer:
7,01
